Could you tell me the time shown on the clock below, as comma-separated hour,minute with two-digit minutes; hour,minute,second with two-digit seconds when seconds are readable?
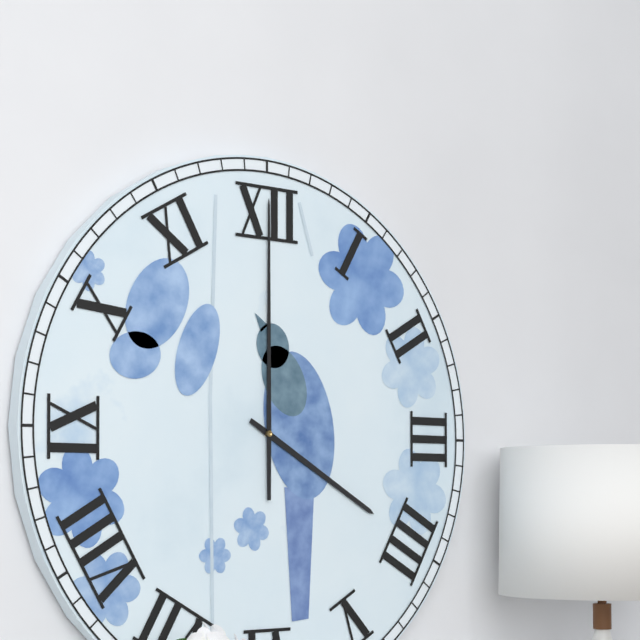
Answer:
4,00
